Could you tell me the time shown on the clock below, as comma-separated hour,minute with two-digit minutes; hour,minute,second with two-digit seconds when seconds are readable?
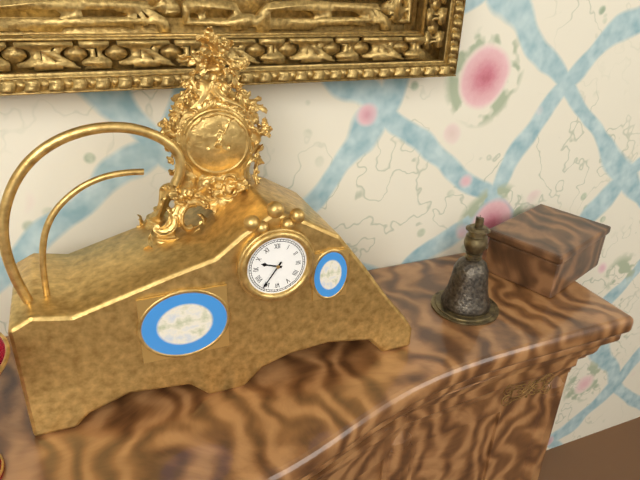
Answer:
9,36
